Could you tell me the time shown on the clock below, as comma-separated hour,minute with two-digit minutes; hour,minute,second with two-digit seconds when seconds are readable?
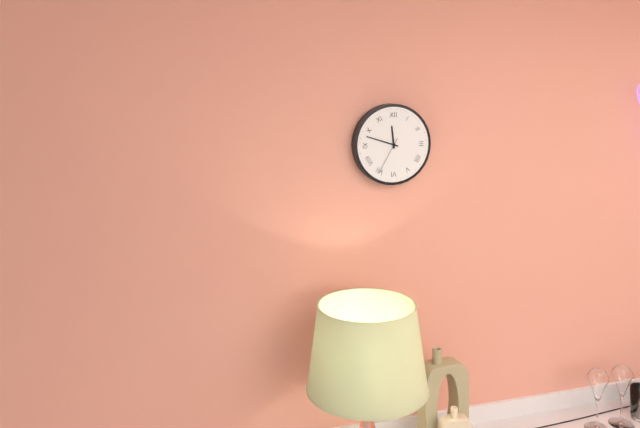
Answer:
11,48
